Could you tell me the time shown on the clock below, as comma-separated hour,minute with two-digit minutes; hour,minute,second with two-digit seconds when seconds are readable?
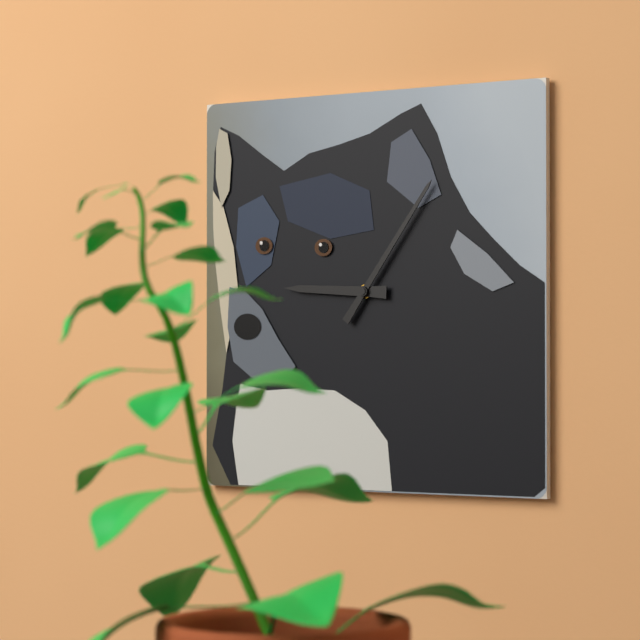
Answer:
9,06
